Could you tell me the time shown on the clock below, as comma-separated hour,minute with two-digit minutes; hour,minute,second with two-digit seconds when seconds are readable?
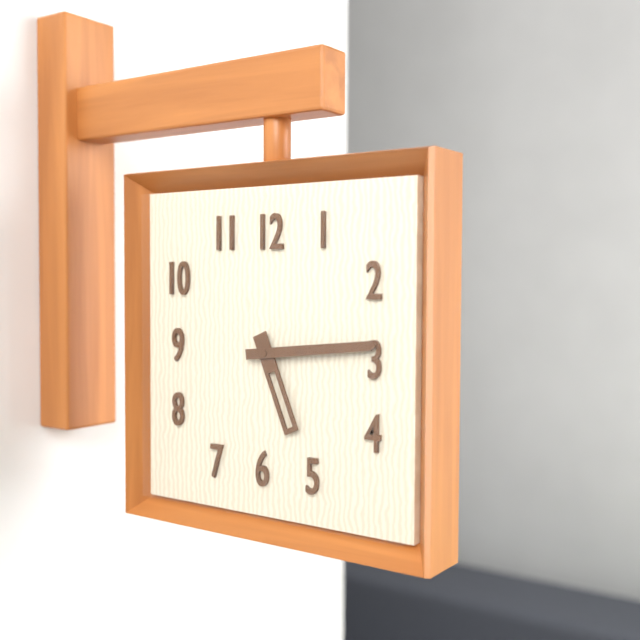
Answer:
5,14
